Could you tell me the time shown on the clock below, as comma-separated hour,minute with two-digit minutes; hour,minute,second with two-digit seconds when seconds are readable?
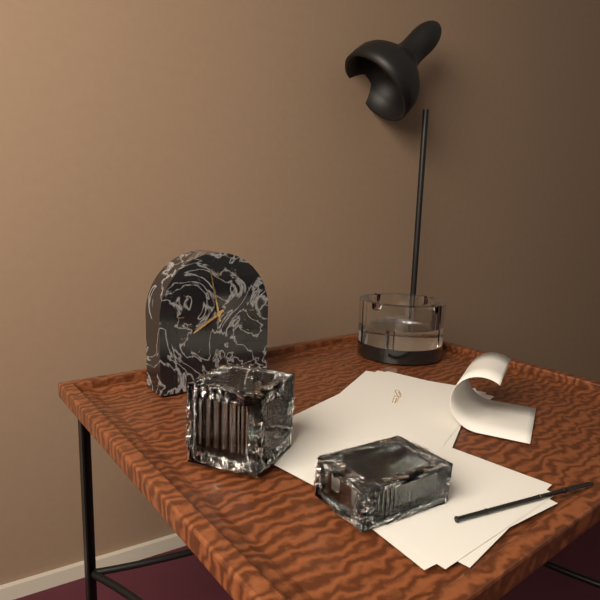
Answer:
7,58
